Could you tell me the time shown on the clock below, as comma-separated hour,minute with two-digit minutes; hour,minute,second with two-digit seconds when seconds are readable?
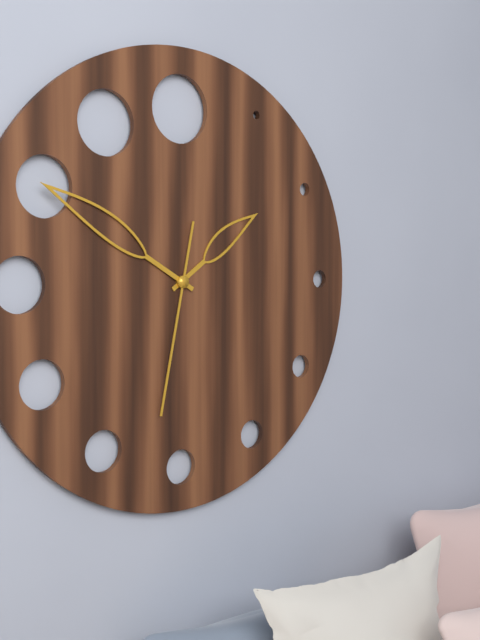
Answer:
1,50,32
